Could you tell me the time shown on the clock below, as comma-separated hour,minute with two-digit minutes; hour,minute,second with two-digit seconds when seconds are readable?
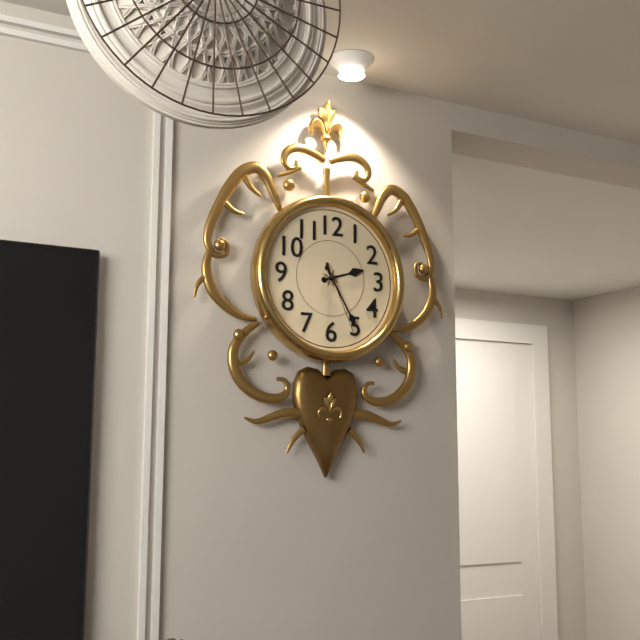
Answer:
2,25,26
